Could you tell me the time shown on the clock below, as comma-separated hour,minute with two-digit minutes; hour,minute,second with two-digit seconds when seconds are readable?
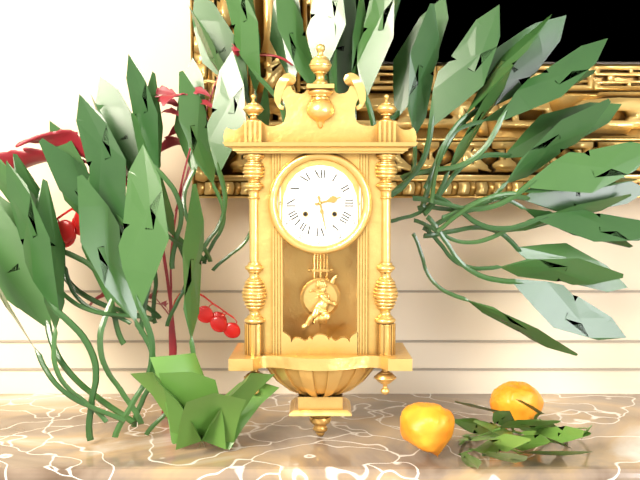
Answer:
2,28
